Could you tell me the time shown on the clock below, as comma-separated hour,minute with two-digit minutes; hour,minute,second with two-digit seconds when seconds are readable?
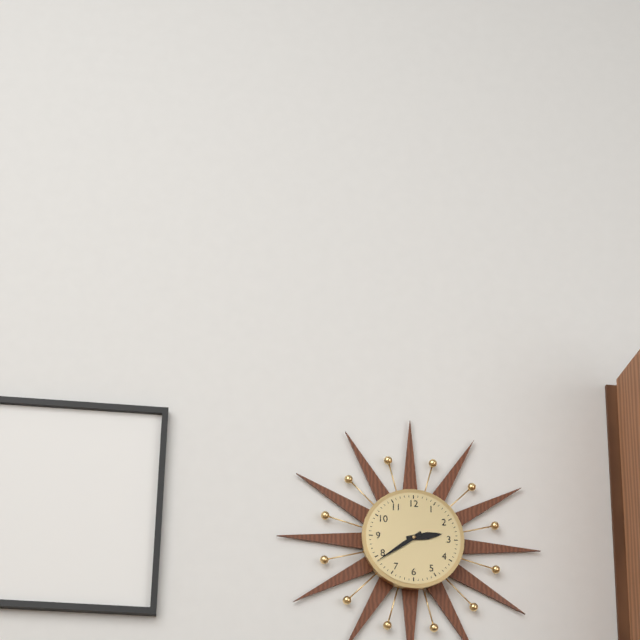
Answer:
2,39
